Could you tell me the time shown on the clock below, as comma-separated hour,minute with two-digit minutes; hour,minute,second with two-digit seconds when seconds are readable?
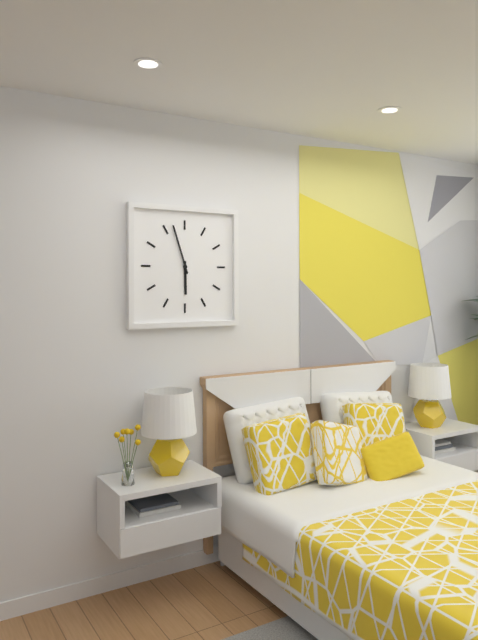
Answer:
5,57
